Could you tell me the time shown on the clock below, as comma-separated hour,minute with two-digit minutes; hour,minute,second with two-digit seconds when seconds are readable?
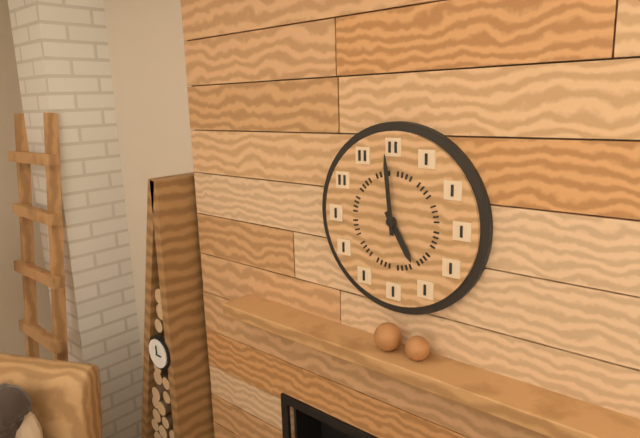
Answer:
4,59
